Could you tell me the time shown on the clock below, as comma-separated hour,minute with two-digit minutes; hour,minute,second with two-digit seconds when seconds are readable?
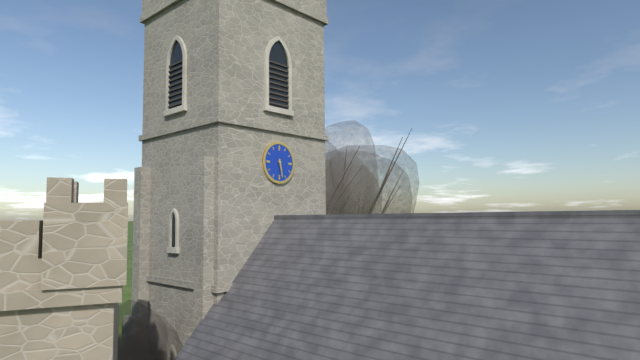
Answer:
5,28
